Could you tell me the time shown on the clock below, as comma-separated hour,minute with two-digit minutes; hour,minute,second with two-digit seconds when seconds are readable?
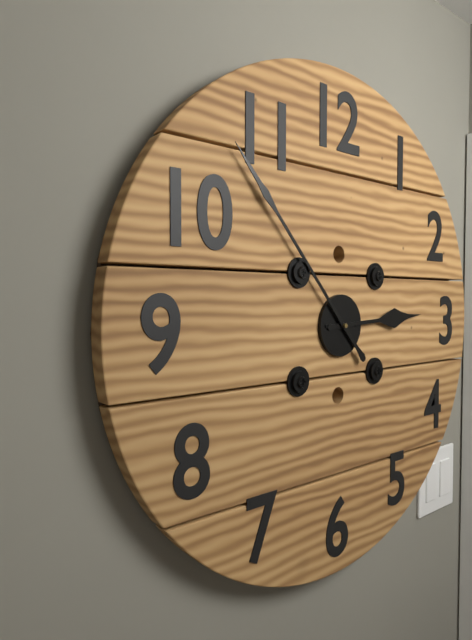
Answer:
2,53
